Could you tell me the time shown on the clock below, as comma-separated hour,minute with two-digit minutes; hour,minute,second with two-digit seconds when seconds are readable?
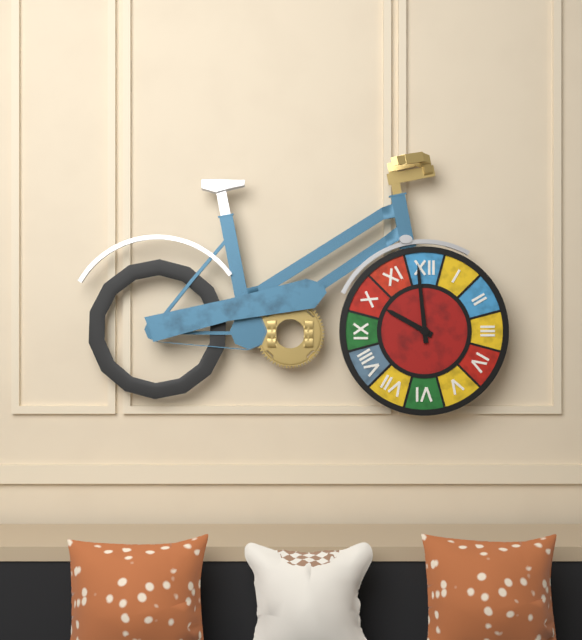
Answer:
9,59
